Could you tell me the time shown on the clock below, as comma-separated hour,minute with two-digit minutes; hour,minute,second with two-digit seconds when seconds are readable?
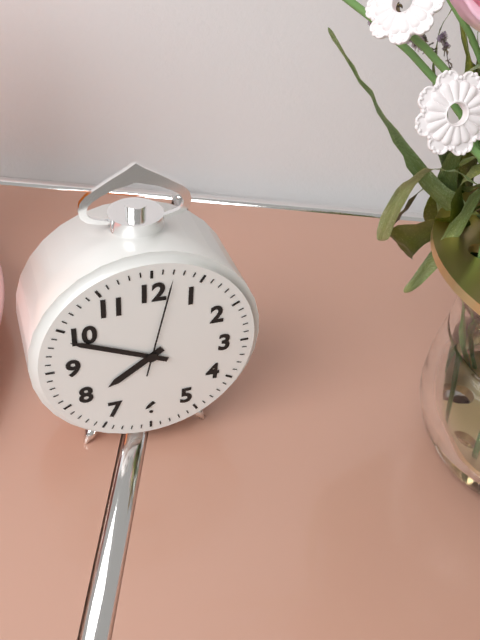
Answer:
7,49,02
